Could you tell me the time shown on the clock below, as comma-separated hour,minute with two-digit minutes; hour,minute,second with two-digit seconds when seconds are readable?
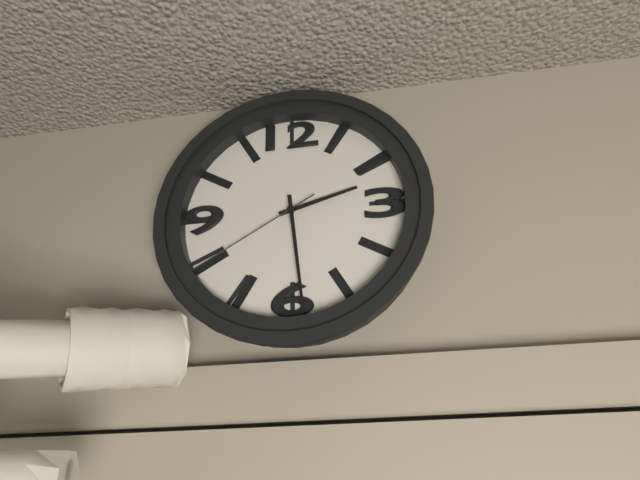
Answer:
2,29,40
